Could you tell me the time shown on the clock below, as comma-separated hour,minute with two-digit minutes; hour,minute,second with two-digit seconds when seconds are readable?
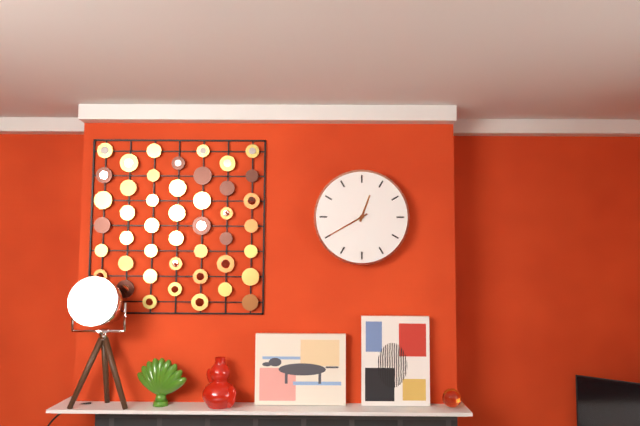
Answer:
12,40
